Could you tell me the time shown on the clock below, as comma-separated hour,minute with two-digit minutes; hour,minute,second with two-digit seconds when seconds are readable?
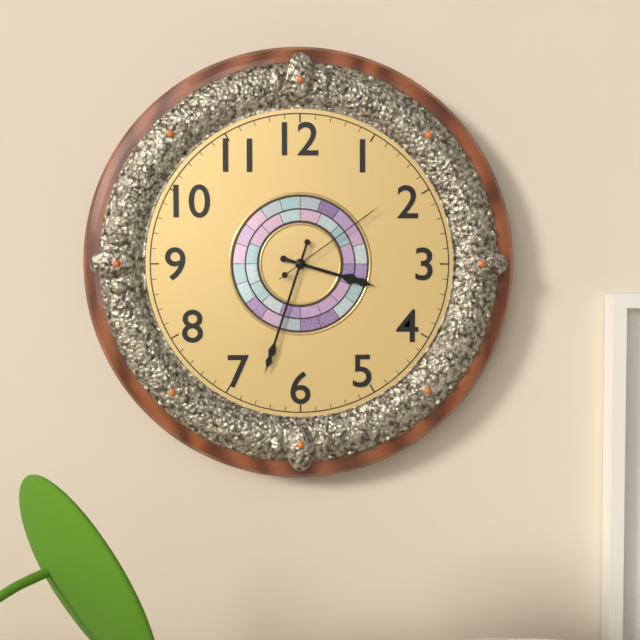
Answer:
3,33,09
